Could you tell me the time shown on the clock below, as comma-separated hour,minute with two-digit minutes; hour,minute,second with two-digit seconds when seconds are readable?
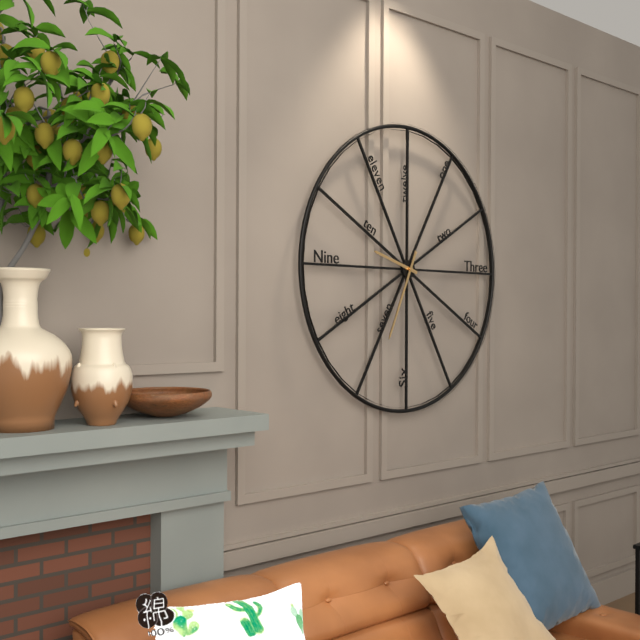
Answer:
9,34
